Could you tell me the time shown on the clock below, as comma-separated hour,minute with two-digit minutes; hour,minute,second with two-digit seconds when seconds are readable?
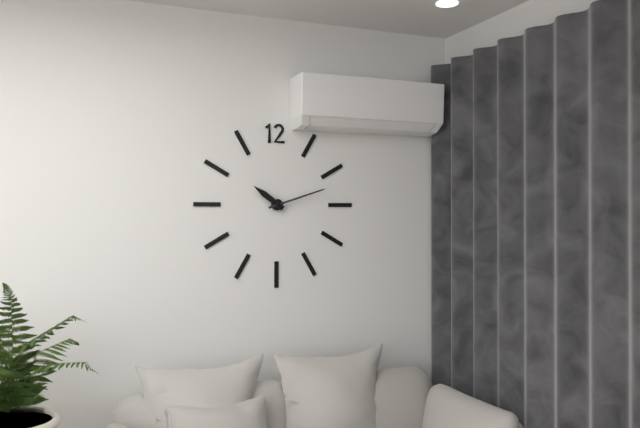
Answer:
10,12
